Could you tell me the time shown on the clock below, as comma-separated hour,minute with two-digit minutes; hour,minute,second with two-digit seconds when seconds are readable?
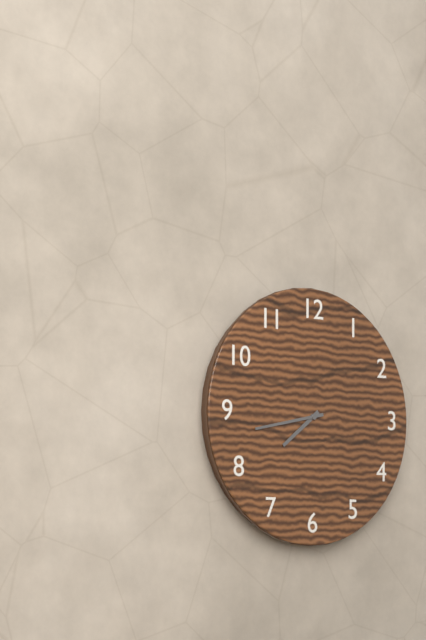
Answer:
7,43
